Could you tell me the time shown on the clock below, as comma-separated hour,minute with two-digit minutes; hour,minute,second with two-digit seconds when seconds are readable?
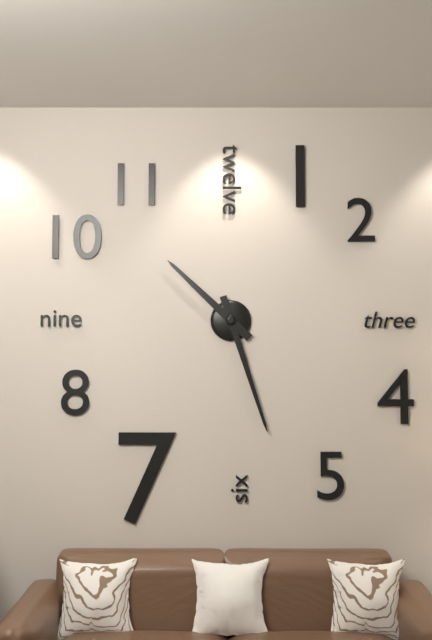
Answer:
10,27
